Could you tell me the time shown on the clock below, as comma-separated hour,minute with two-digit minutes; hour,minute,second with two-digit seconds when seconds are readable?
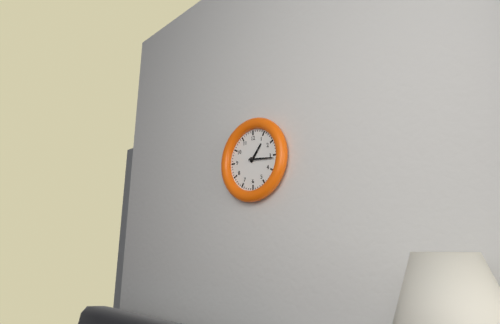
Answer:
1,16
